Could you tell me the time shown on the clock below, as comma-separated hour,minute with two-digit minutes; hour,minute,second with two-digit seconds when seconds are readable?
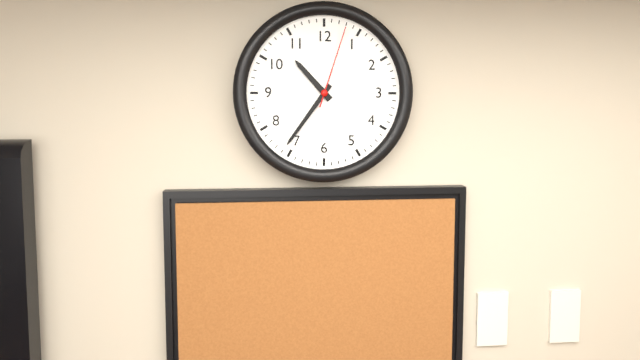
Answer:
10,36,03
